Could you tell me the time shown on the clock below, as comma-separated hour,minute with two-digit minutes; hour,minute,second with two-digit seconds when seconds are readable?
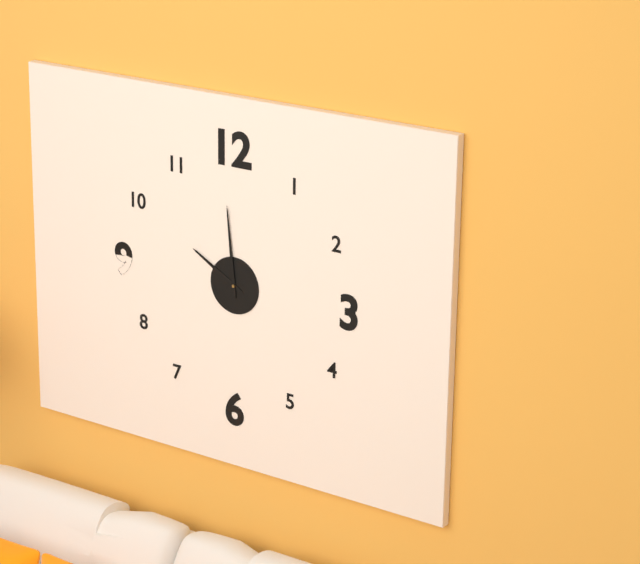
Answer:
9,59
